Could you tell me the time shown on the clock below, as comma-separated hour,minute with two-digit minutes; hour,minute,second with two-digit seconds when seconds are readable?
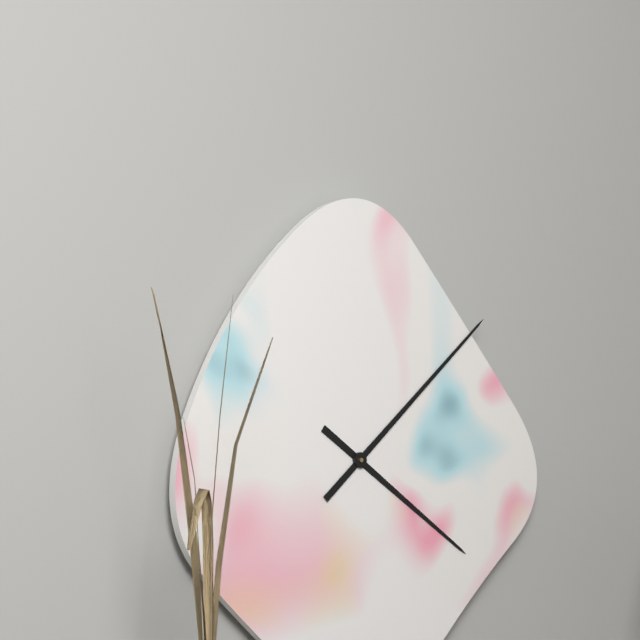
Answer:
4,08
